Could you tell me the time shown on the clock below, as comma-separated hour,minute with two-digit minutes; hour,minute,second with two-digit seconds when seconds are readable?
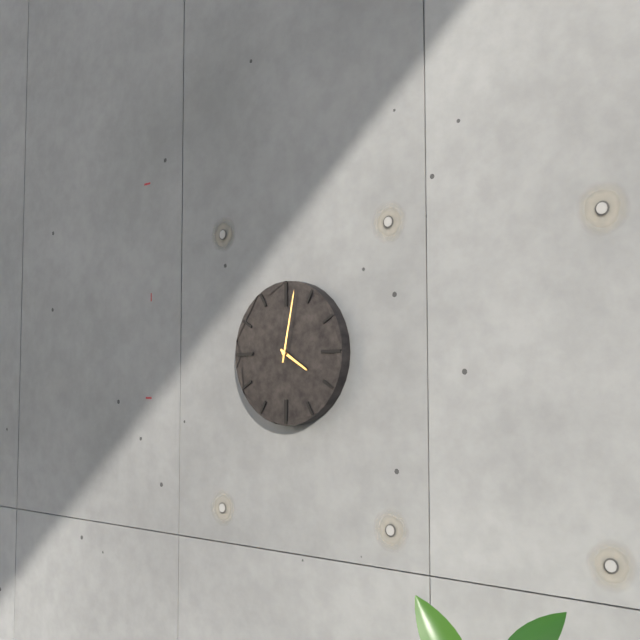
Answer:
4,02
